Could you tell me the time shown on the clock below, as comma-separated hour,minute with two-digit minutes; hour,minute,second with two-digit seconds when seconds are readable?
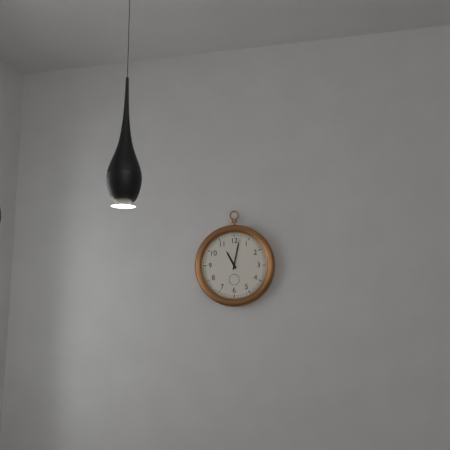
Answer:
11,02
